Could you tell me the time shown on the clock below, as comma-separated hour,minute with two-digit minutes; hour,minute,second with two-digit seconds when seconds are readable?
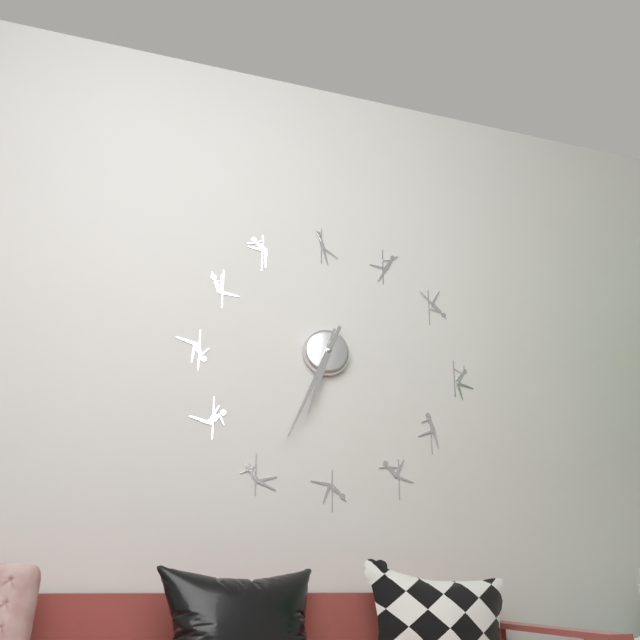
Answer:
6,34
